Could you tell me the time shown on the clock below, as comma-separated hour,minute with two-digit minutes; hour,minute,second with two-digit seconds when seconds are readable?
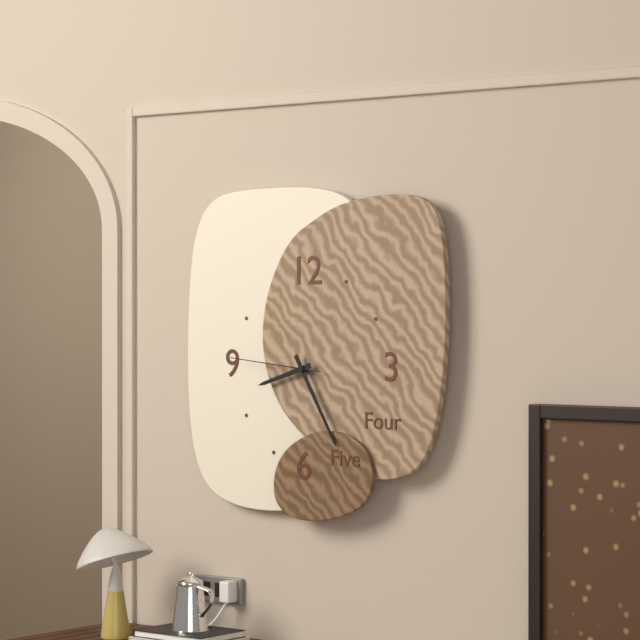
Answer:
8,25,46
